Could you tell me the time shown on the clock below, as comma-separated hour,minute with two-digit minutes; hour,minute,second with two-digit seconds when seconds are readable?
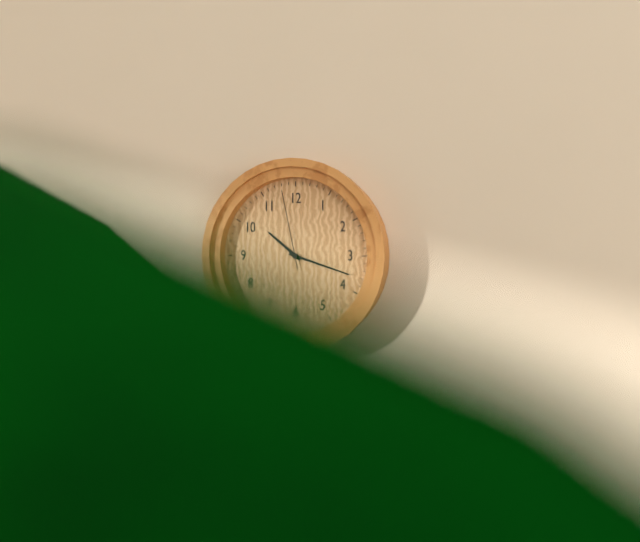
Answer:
10,18,58
